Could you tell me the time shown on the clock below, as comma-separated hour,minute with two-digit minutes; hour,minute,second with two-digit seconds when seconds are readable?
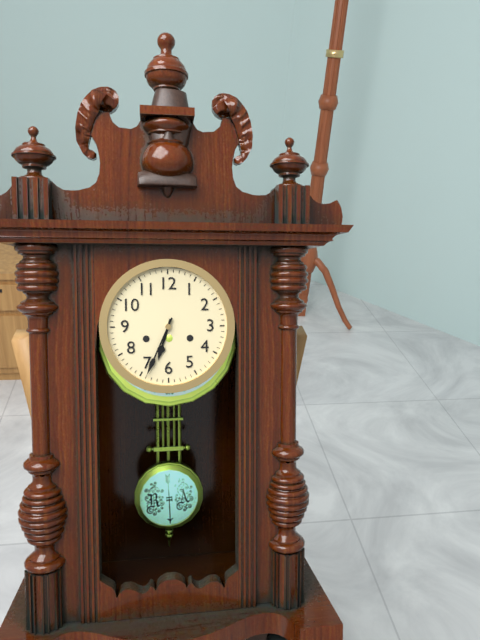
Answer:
6,34
